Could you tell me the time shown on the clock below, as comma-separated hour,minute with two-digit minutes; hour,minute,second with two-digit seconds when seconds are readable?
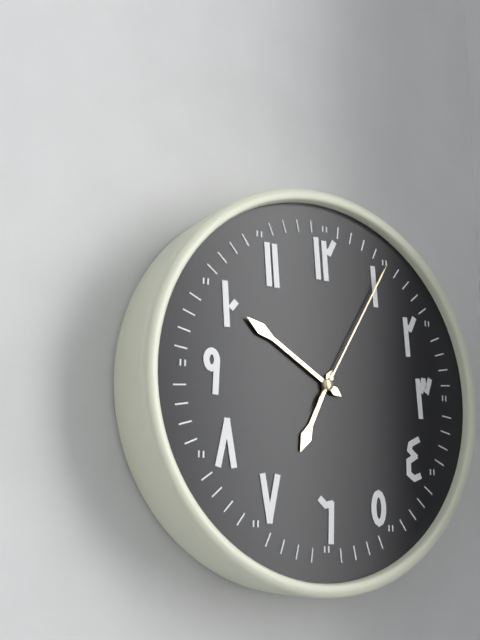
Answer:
6,50,05
